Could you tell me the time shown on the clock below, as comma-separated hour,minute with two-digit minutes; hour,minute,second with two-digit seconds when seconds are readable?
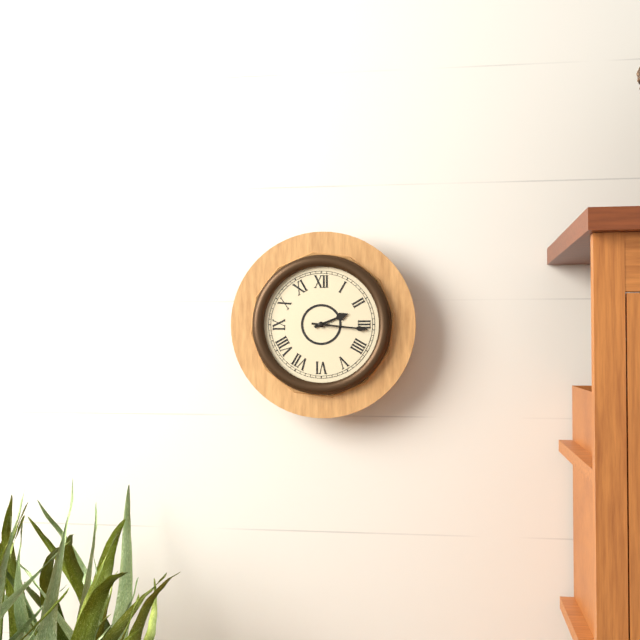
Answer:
2,16
